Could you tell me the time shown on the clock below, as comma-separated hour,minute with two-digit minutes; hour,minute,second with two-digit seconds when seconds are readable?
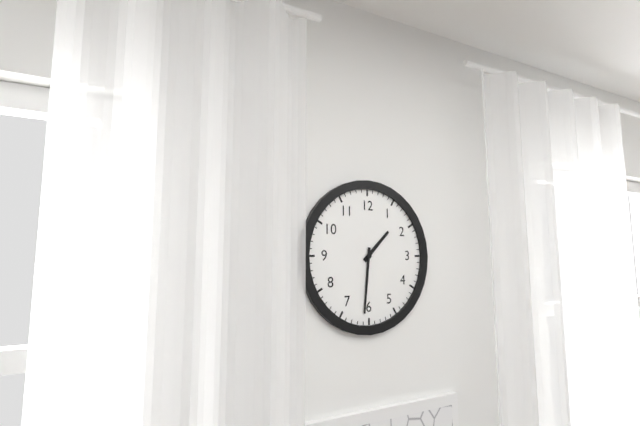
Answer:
1,31
